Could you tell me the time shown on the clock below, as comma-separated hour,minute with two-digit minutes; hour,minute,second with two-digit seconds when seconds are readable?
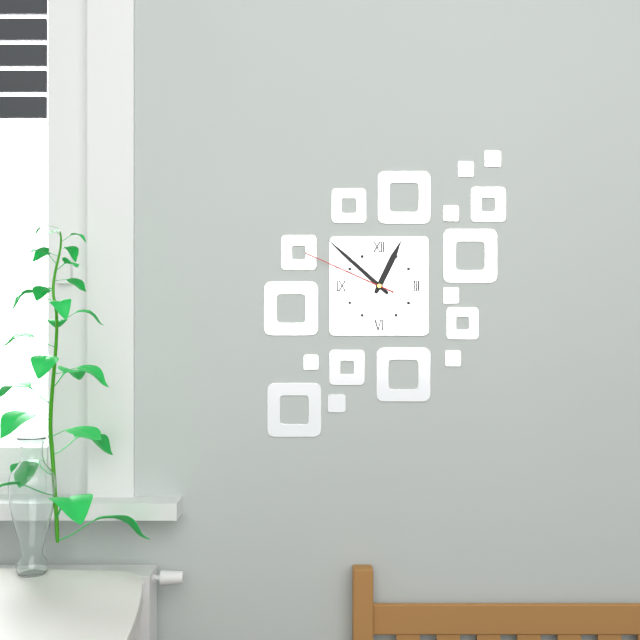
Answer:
12,52,49
